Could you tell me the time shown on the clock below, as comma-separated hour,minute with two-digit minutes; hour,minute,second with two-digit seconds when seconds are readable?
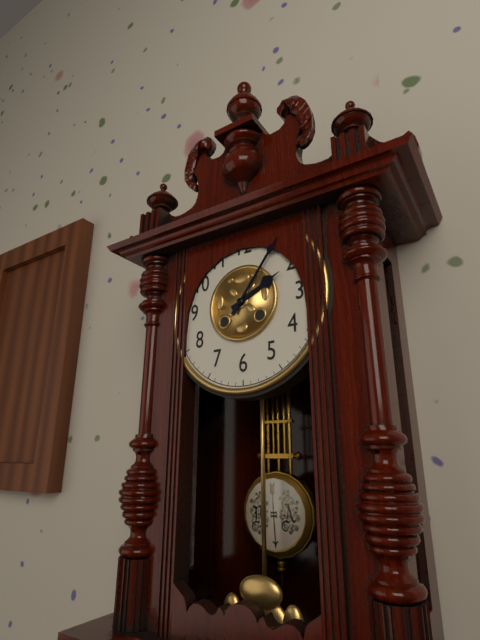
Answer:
2,06
